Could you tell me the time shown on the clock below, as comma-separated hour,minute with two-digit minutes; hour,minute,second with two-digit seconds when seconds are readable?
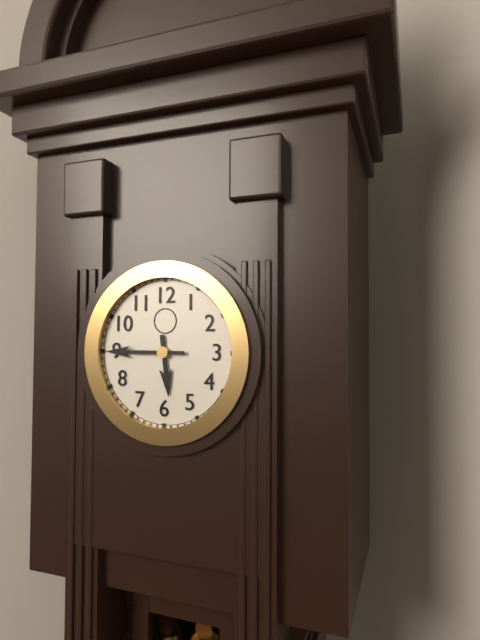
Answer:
5,45
